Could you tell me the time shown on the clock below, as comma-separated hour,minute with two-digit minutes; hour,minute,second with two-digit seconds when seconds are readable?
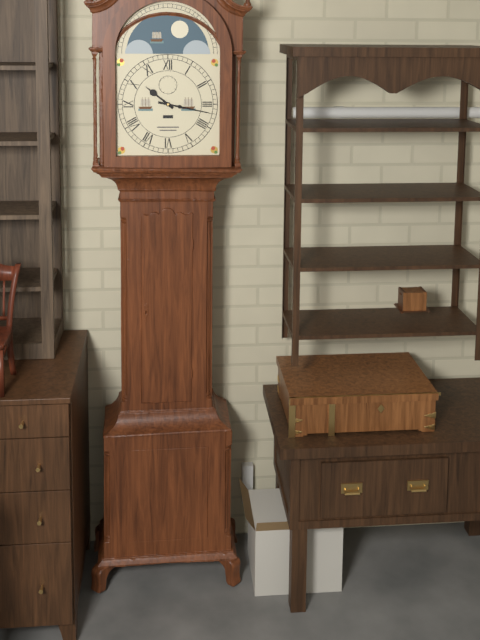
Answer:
10,17
